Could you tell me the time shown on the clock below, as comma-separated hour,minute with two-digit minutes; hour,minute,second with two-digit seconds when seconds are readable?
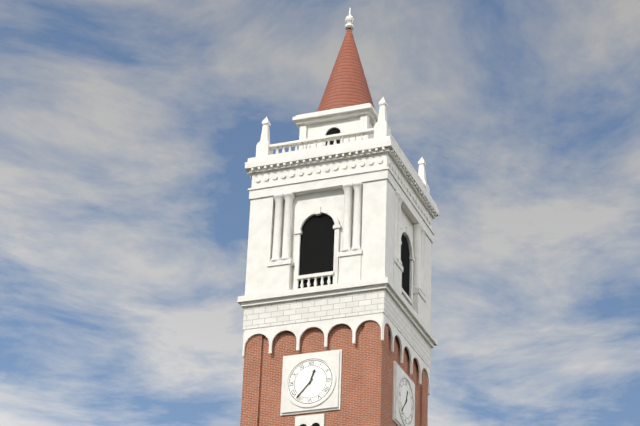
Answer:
12,37
